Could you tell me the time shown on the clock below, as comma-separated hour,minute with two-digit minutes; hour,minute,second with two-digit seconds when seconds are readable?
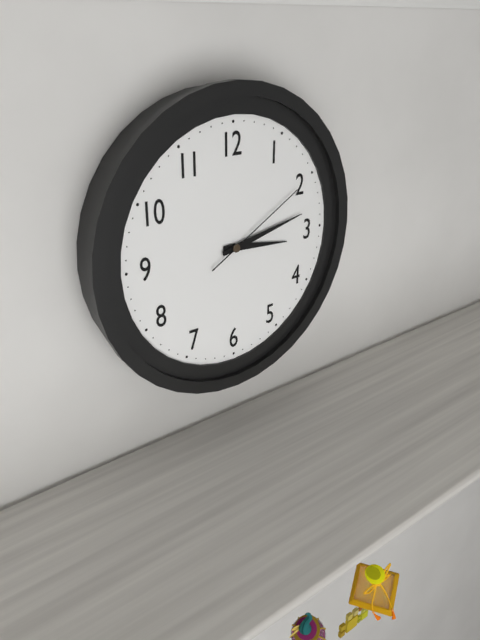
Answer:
3,13,10
